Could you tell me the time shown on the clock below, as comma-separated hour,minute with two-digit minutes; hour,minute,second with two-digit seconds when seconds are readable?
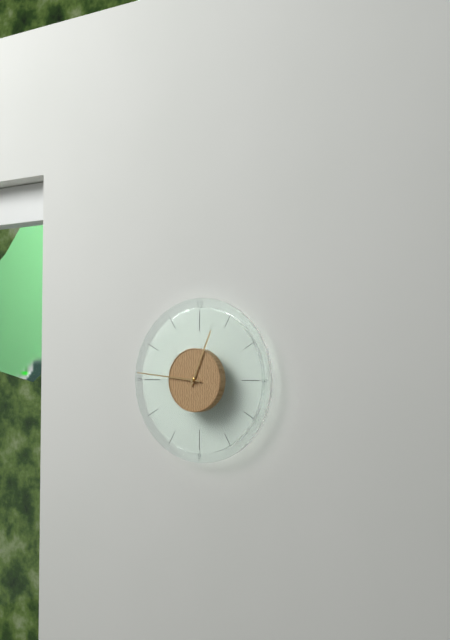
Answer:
12,46
